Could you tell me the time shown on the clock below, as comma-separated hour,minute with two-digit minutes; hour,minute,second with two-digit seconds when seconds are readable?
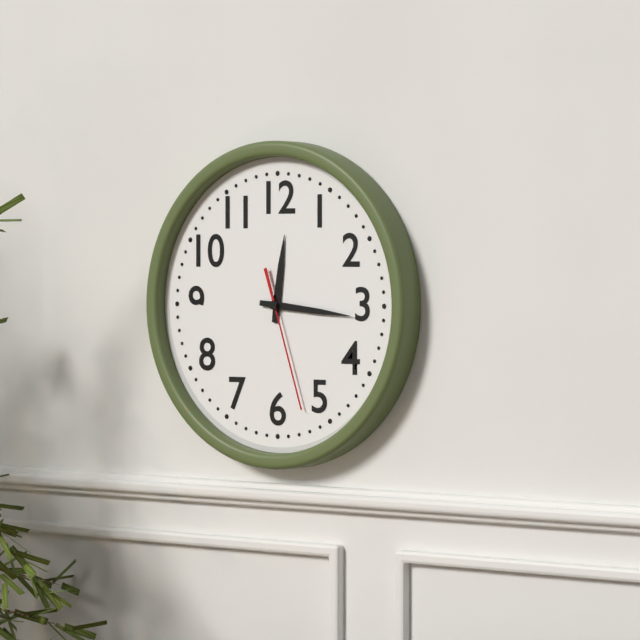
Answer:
12,16,27
